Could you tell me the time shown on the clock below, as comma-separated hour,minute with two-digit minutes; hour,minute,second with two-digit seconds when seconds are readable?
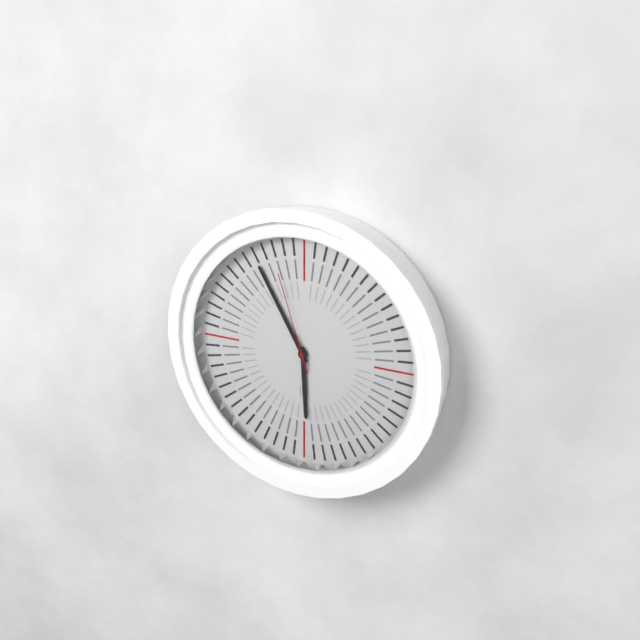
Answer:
5,55,57
